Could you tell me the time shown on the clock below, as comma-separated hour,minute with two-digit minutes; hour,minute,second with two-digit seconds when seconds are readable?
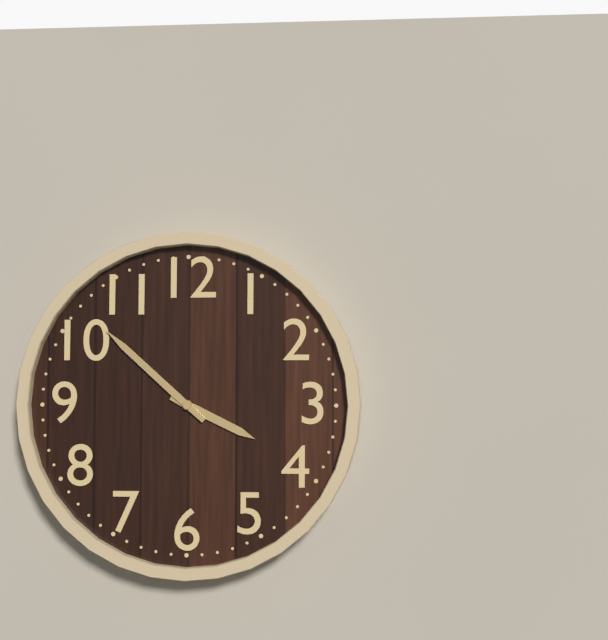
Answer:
3,52
